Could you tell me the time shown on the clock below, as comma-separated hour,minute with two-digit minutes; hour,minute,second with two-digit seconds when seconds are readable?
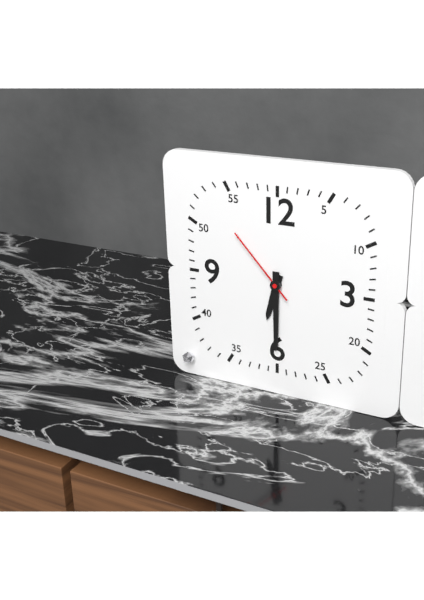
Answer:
6,30,53
